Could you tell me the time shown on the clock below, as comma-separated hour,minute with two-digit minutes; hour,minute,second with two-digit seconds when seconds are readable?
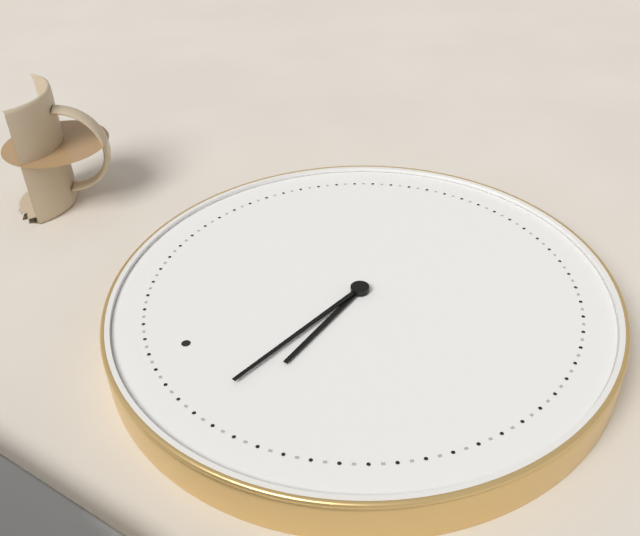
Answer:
10,56
